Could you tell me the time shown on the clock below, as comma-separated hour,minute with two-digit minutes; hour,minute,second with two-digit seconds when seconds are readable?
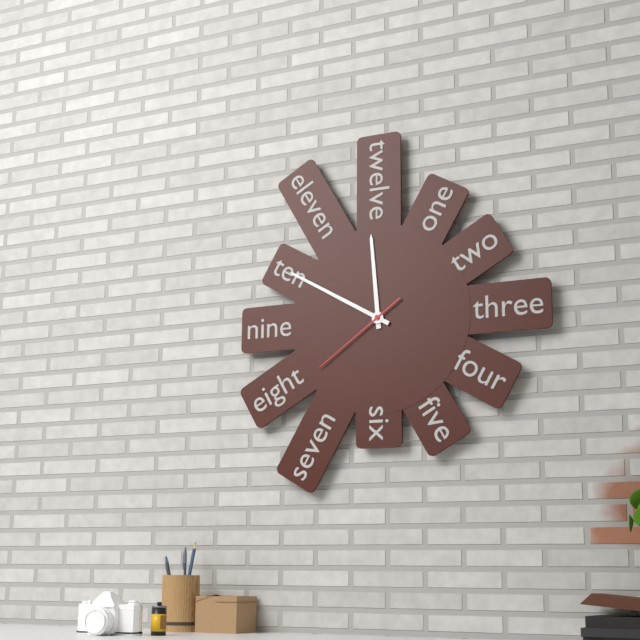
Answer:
11,50,39
